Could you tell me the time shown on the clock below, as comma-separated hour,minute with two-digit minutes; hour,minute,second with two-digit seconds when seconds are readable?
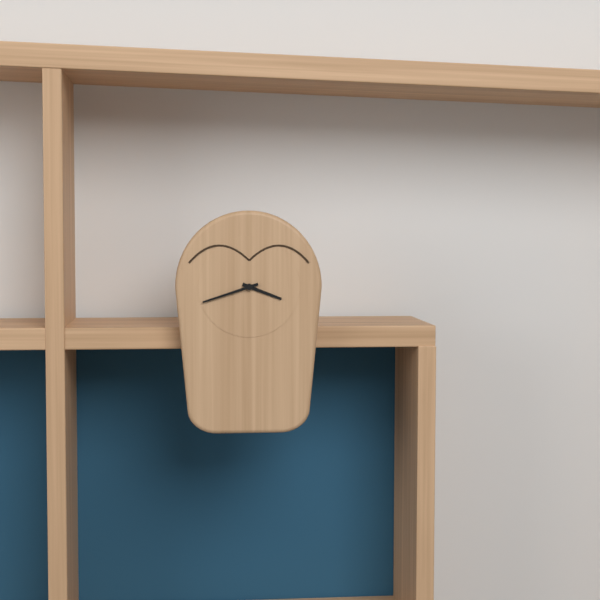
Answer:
3,42
